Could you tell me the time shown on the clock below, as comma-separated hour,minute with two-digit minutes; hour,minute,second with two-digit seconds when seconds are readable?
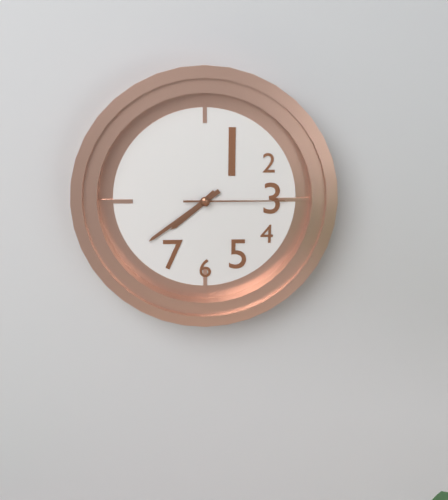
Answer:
7,39,15
